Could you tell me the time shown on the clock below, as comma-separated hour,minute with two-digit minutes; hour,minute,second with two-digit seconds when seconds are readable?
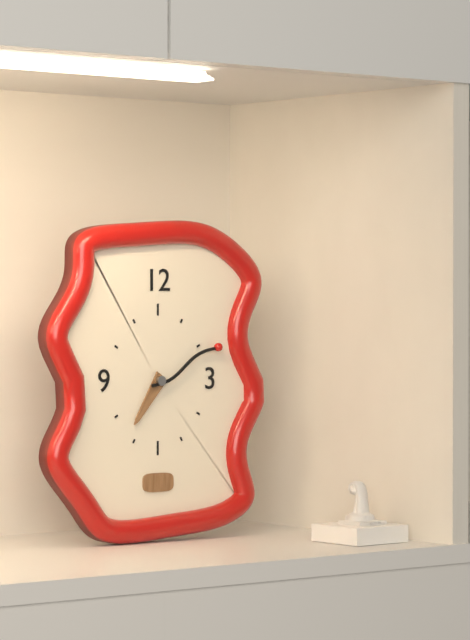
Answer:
7,11
